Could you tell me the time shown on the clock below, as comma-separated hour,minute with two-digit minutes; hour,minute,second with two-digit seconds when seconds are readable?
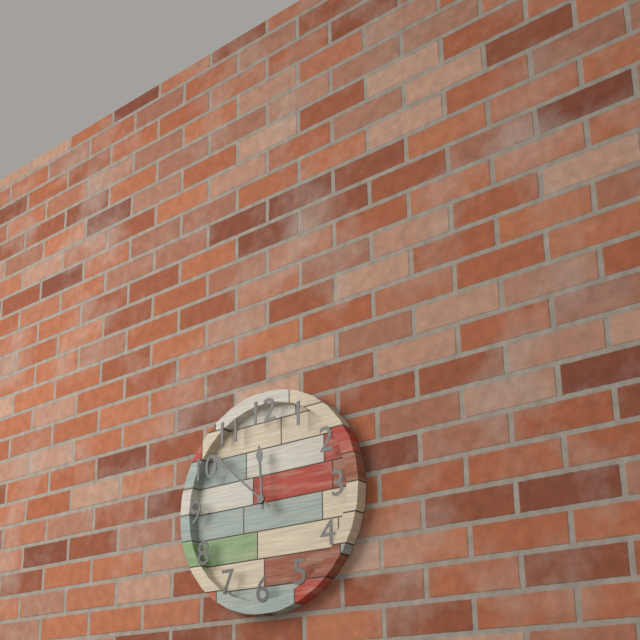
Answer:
11,52
